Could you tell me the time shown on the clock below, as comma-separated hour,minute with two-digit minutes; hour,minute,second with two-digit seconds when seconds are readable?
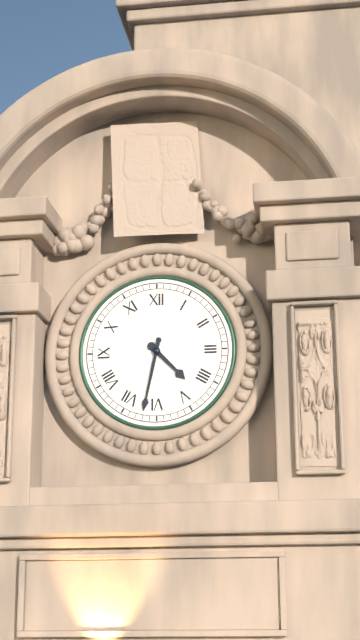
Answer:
4,32
